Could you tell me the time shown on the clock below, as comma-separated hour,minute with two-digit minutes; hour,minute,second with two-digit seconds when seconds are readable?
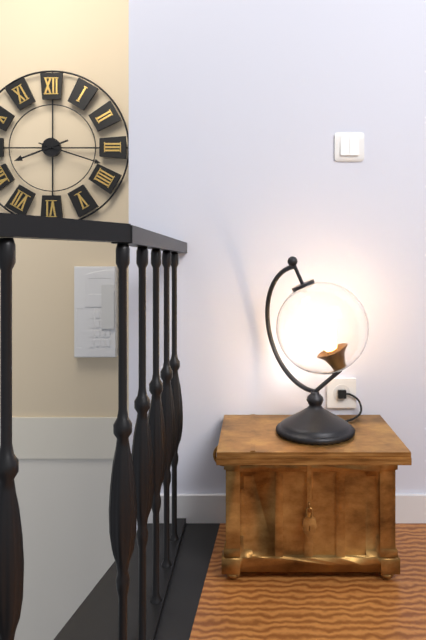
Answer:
8,18
